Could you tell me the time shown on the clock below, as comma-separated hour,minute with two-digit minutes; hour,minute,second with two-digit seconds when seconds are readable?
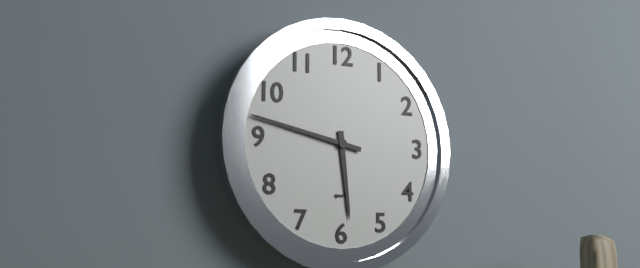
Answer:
5,47
